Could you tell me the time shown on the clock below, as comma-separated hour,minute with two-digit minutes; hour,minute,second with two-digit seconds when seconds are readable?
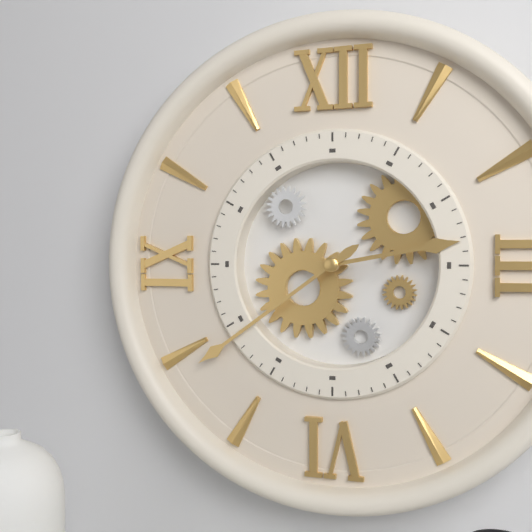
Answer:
2,39
